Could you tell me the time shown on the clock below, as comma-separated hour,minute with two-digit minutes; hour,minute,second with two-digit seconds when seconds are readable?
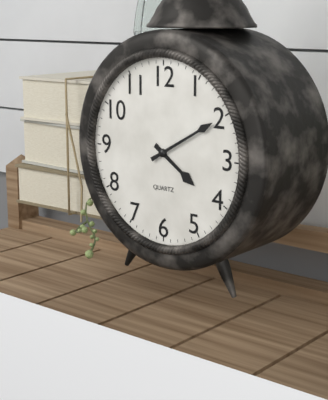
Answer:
4,10
